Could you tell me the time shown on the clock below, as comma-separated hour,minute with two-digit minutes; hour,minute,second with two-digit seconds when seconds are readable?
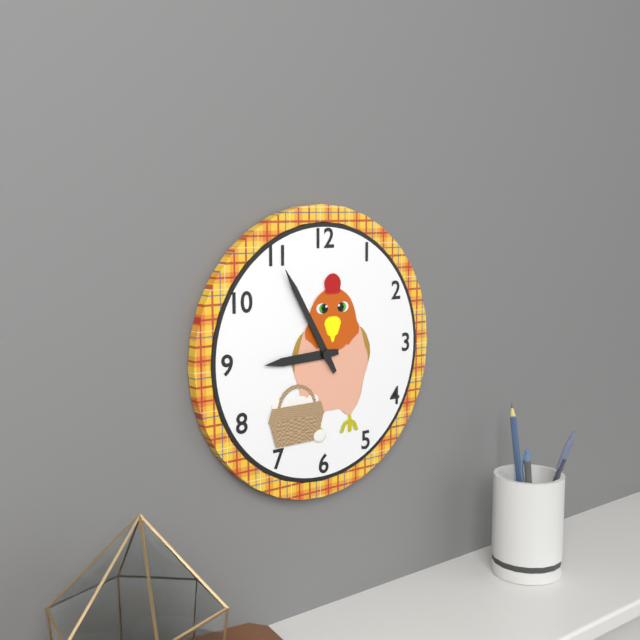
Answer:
8,55
